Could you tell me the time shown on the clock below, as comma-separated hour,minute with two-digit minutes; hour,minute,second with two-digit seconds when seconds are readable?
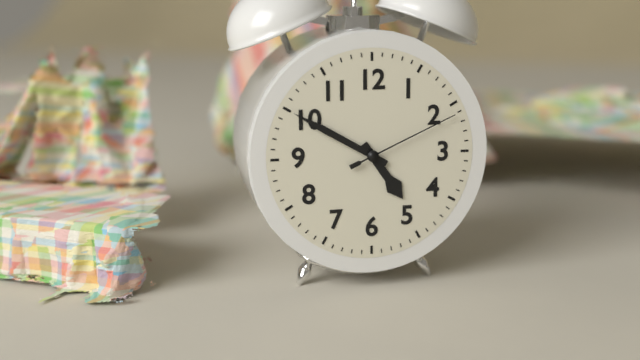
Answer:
4,50,11
